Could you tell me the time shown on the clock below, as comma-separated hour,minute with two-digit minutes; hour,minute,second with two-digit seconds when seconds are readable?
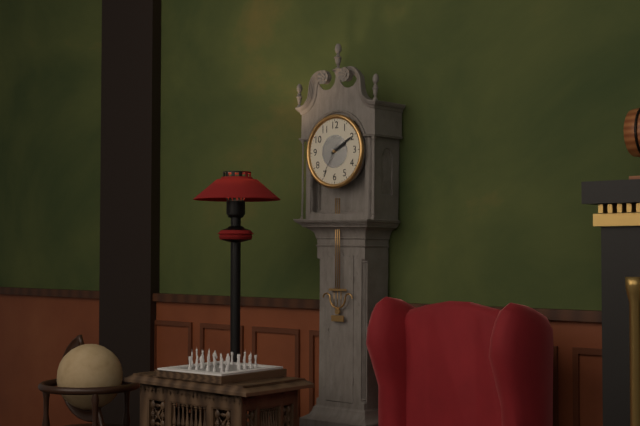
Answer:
2,10
